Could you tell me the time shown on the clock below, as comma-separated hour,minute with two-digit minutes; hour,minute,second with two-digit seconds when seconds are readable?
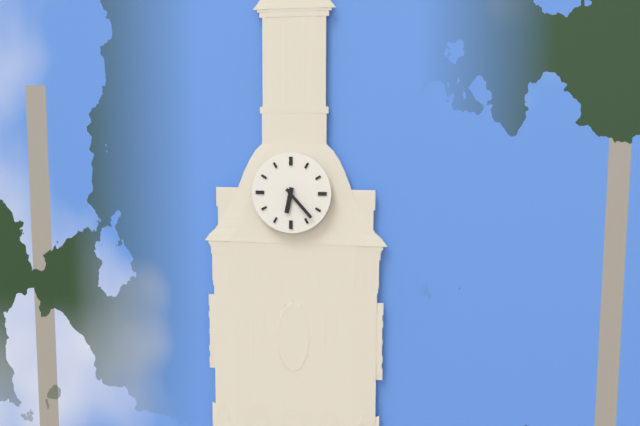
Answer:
6,23
